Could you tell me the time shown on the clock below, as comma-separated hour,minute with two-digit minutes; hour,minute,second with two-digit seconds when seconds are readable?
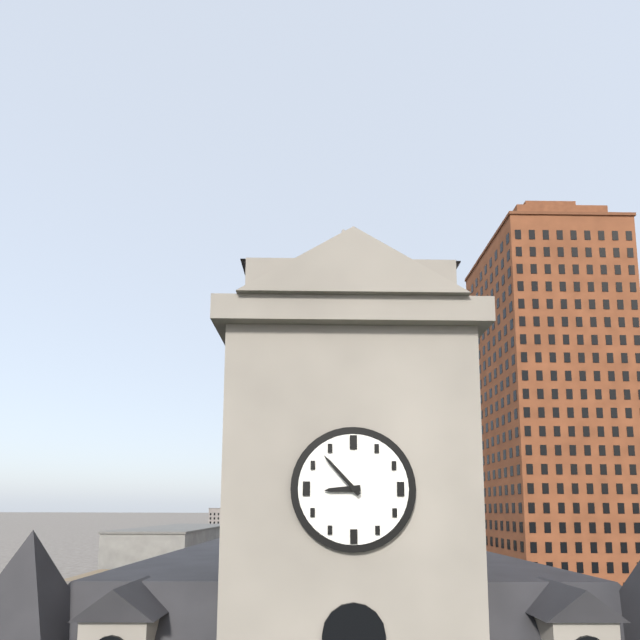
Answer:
8,53
